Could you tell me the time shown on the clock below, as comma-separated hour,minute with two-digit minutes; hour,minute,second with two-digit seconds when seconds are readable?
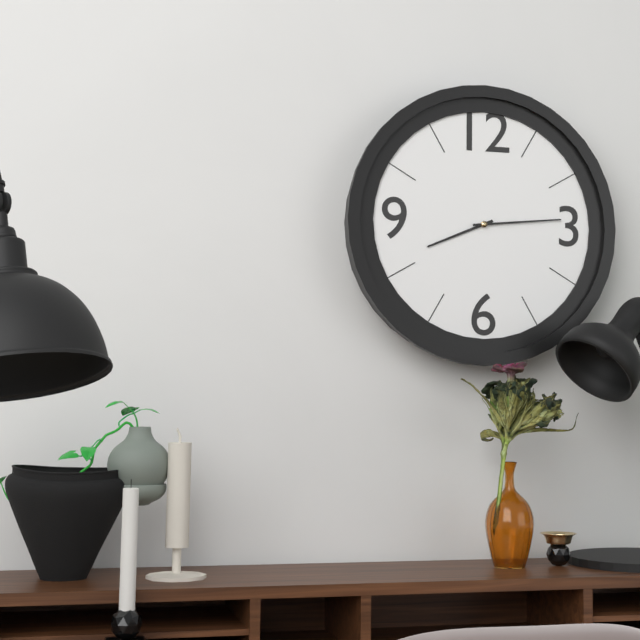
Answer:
8,14
